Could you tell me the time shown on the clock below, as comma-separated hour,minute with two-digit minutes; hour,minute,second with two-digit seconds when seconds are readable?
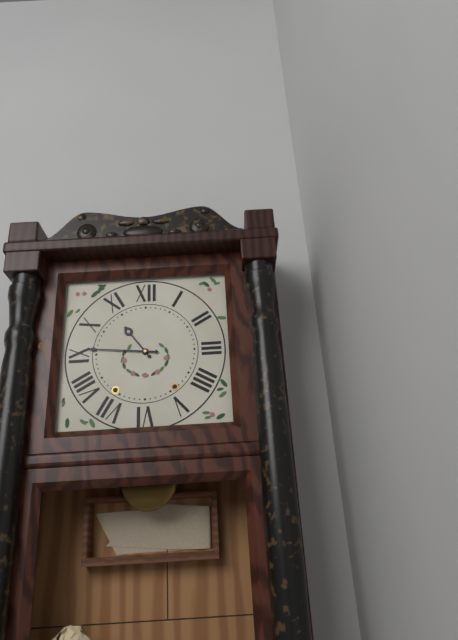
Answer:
10,46
